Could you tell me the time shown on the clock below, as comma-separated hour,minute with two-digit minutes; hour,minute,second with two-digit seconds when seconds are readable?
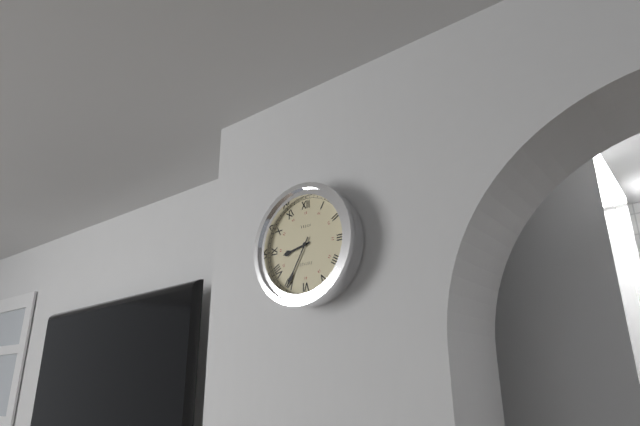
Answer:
8,35
